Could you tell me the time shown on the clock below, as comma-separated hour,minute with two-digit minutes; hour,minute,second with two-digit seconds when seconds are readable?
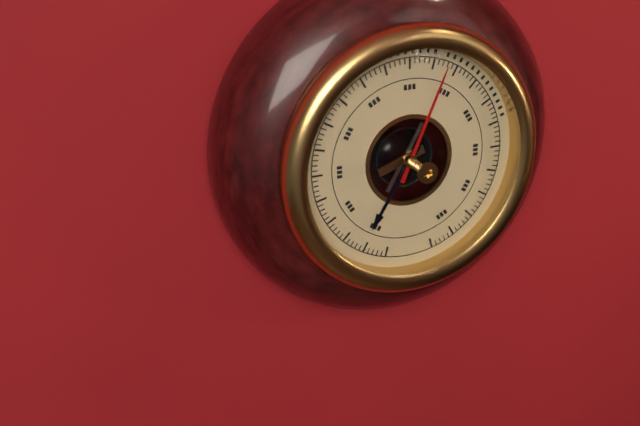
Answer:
7,04
